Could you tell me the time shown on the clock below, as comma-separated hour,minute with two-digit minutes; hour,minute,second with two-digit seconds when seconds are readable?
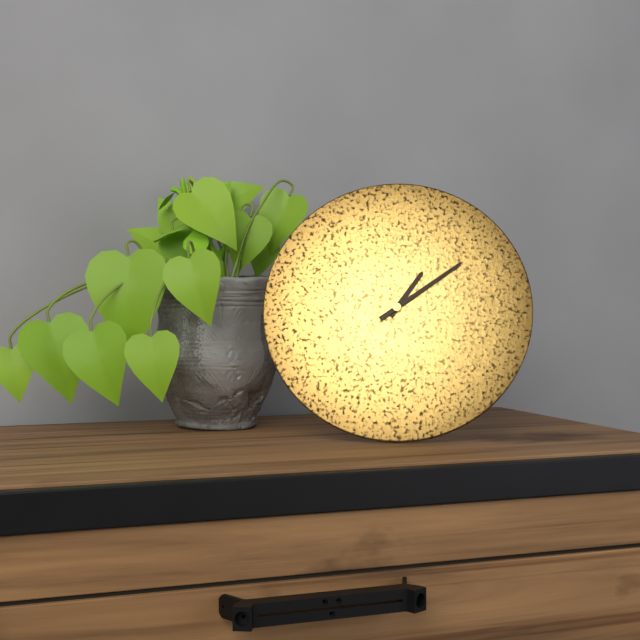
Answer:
1,09
